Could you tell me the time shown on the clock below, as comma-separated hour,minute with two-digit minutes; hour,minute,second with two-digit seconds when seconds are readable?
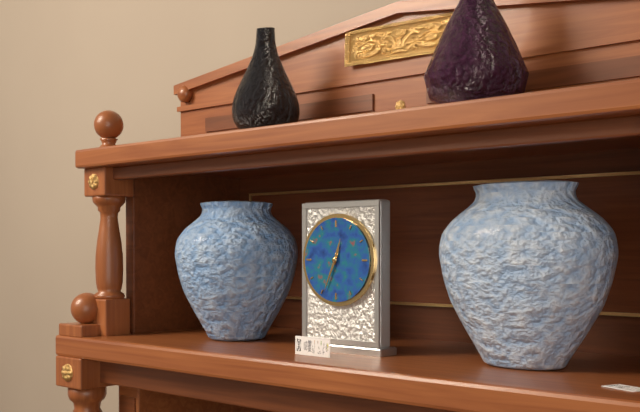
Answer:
12,34
